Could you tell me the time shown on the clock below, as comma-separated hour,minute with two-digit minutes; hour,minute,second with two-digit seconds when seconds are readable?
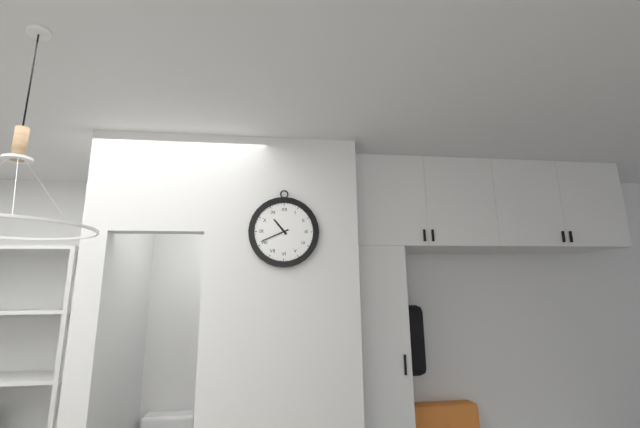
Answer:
10,41
